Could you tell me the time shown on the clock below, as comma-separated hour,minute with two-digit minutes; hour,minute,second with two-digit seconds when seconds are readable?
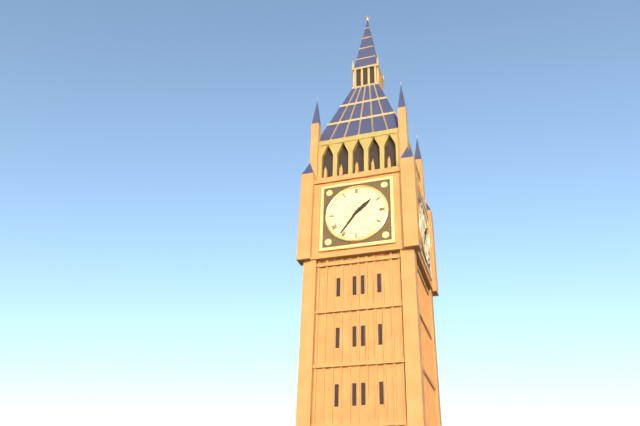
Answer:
1,36
